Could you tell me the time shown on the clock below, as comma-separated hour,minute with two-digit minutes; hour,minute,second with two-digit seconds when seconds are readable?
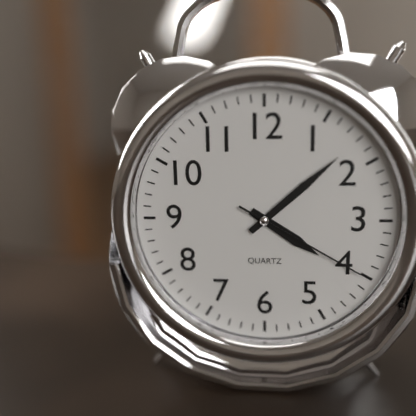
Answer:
4,08,20
